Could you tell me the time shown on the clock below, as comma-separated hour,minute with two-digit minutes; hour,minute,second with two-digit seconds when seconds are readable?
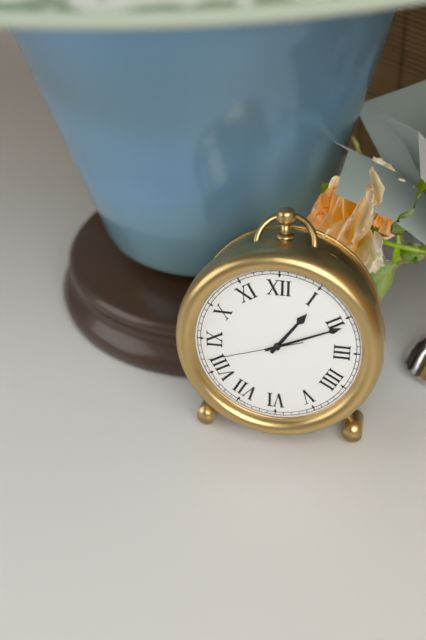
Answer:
1,11,42
